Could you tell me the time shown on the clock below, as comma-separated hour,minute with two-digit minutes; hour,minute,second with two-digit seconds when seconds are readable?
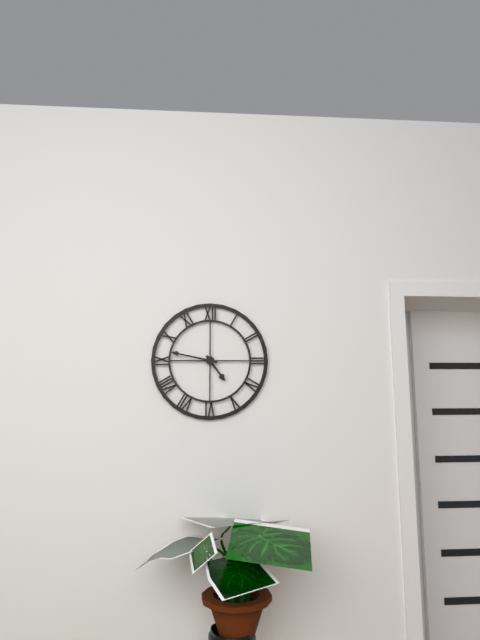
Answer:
4,47
